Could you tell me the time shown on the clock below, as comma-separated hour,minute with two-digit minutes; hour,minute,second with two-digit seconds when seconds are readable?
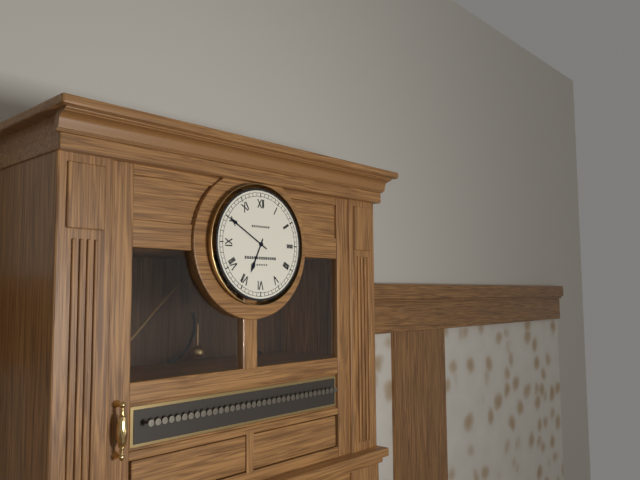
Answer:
6,50
